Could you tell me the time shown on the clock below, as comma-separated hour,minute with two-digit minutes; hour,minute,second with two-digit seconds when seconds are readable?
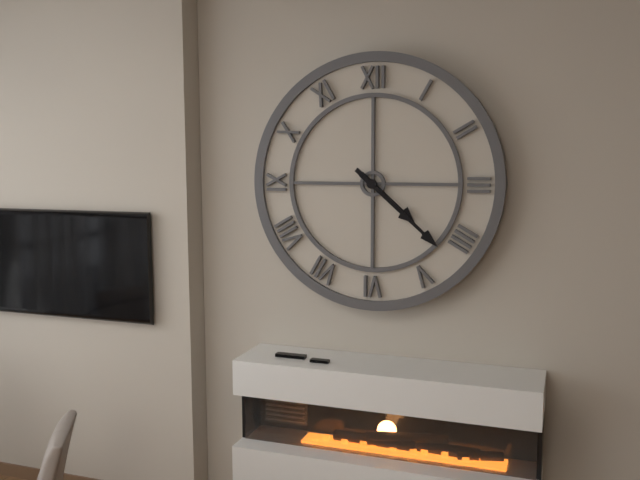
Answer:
4,22
